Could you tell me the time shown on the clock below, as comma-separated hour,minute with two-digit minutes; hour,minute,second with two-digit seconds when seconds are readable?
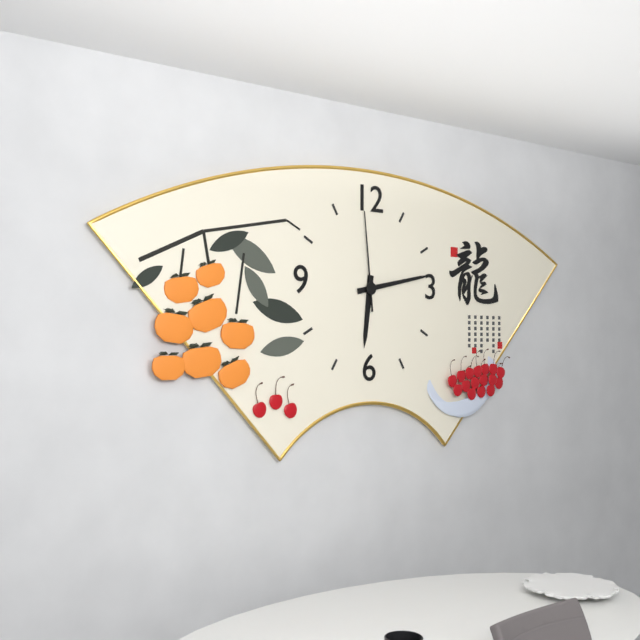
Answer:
6,13,59
